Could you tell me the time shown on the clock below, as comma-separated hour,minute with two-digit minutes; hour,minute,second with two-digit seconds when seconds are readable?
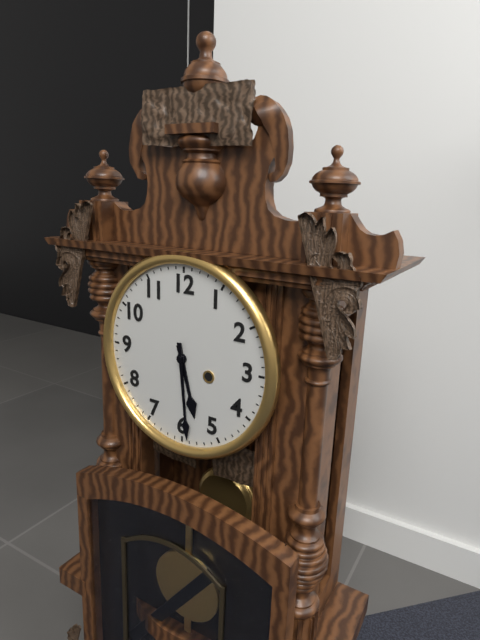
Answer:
5,29
